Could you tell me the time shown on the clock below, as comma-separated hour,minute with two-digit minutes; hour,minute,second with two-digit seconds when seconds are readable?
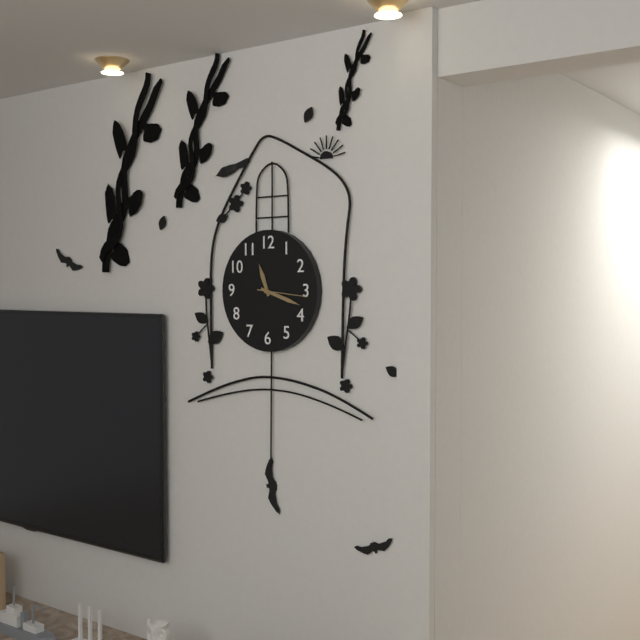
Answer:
11,18
